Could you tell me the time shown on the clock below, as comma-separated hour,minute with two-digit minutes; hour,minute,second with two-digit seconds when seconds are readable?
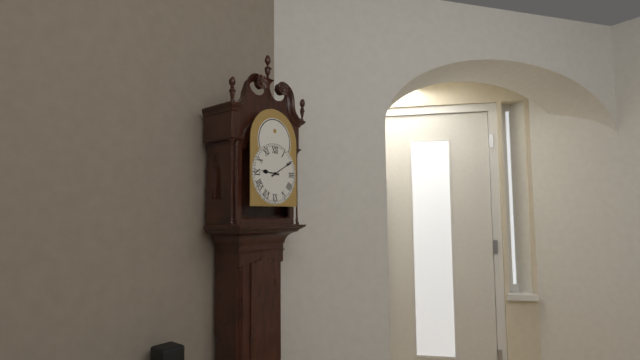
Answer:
9,10
